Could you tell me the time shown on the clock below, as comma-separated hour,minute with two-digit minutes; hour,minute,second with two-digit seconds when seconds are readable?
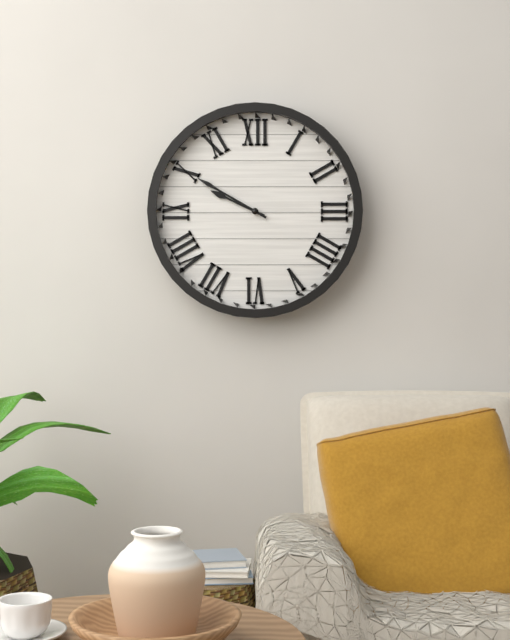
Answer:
9,50
